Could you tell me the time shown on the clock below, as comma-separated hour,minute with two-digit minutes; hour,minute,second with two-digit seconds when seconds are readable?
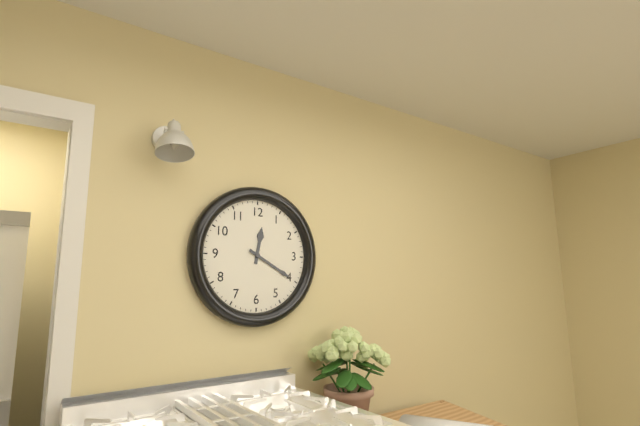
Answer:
12,20
